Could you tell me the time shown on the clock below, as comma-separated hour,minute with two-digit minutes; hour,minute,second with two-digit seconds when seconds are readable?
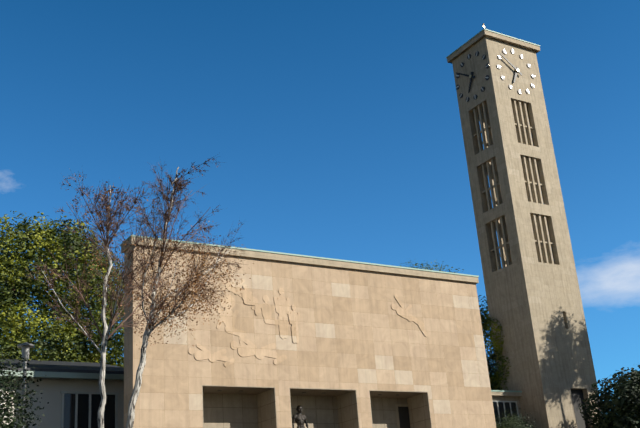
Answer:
6,51
